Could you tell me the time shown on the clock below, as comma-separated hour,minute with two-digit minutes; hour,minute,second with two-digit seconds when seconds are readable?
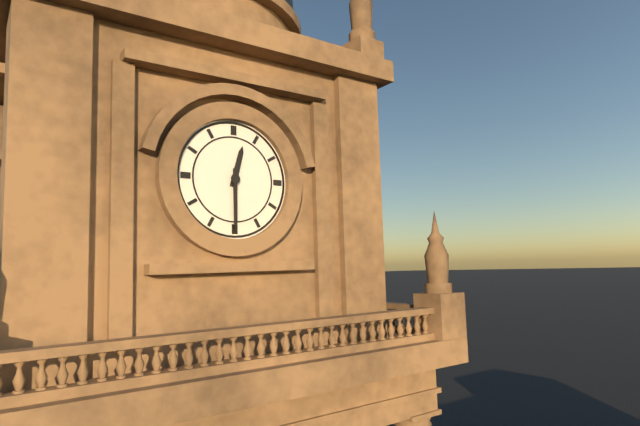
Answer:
12,30
